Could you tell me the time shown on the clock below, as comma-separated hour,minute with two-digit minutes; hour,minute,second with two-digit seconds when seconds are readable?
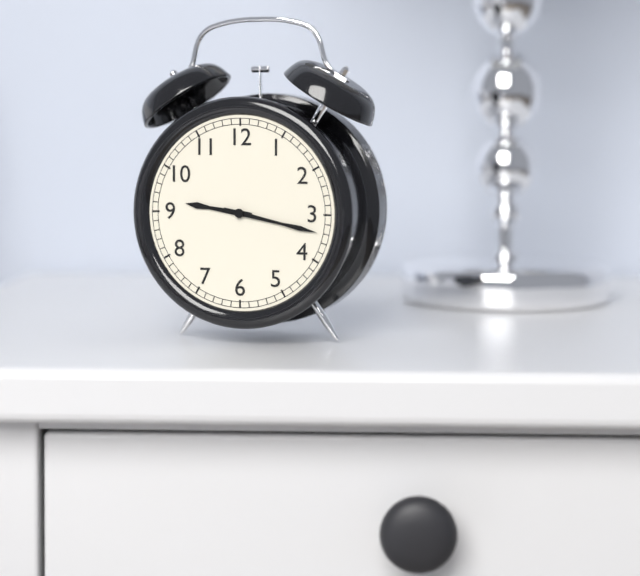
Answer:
9,17
